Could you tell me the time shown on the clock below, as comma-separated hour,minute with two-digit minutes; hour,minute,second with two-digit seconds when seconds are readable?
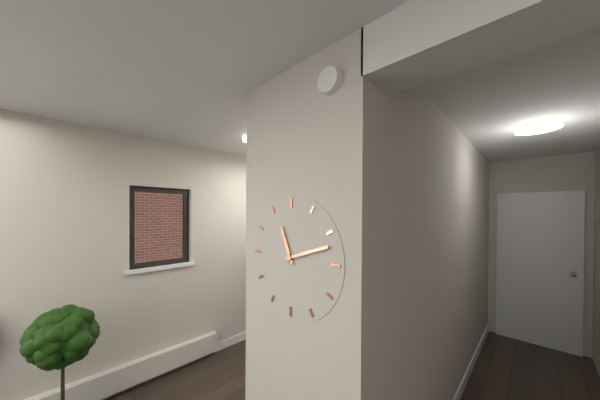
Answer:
11,12
